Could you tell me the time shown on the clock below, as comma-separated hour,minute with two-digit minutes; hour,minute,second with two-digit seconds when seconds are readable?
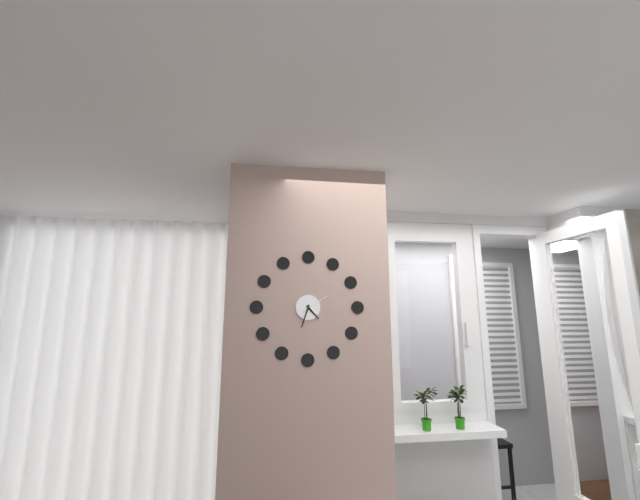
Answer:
4,33
